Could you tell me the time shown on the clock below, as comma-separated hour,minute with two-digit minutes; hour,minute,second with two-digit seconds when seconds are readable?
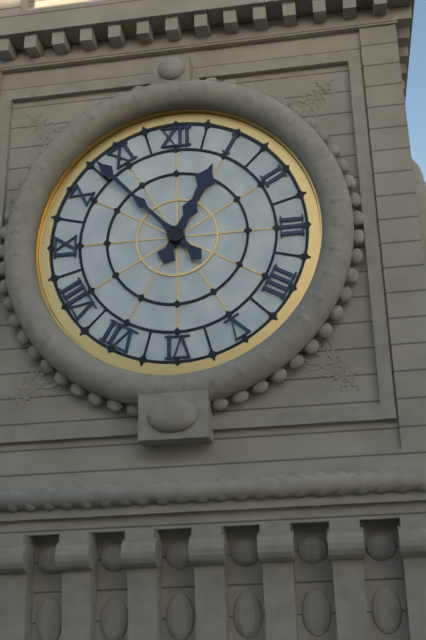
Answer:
12,53
